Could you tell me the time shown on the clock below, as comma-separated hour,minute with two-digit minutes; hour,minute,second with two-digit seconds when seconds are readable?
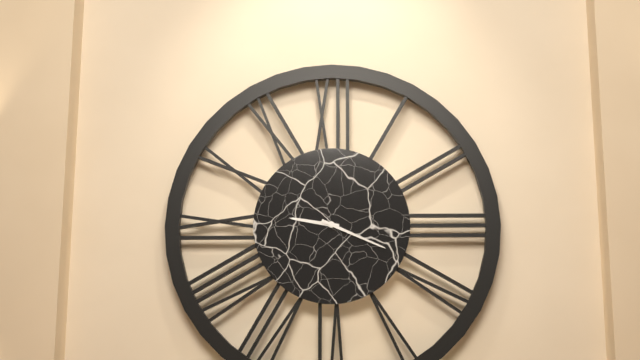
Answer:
9,19
